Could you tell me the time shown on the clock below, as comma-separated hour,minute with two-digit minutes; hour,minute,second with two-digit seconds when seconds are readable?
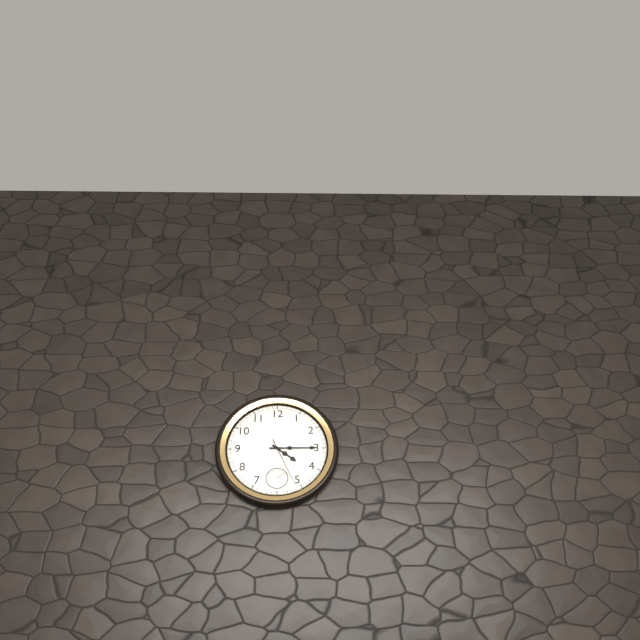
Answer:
4,15,26
